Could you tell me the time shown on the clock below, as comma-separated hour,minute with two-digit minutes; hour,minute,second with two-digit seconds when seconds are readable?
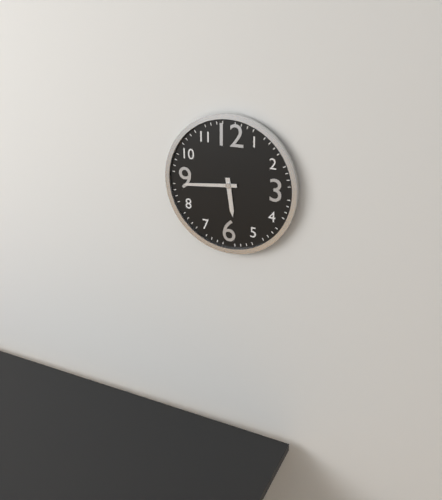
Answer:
5,44
